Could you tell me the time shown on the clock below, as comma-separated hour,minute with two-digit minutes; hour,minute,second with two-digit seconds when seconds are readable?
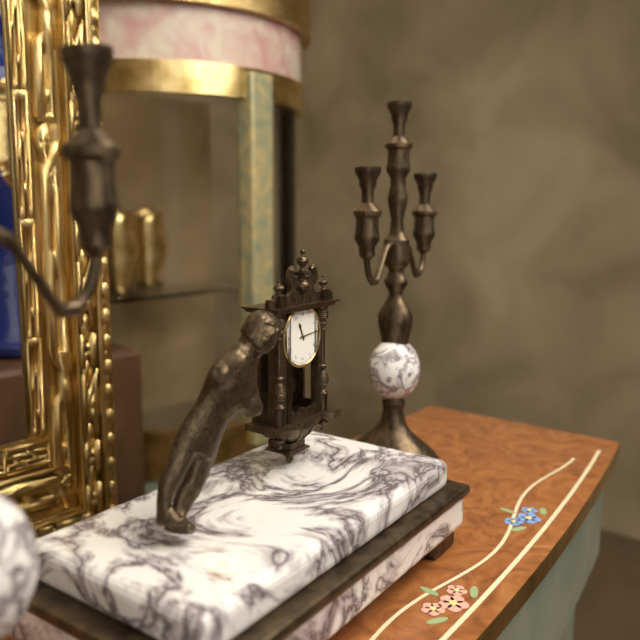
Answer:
11,14
